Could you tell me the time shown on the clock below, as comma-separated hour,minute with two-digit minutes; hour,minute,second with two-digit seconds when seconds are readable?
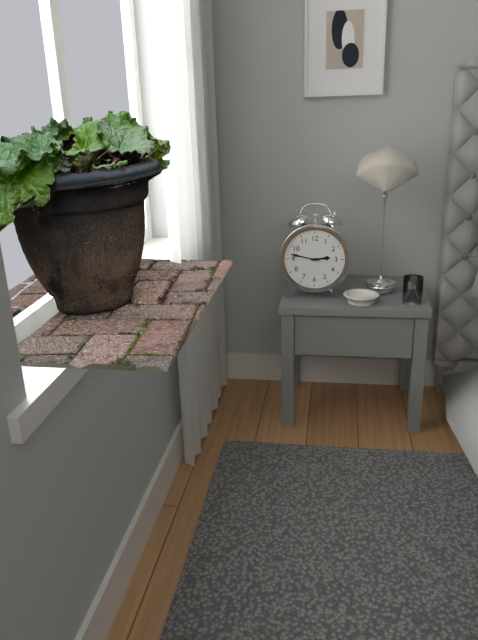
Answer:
2,47
